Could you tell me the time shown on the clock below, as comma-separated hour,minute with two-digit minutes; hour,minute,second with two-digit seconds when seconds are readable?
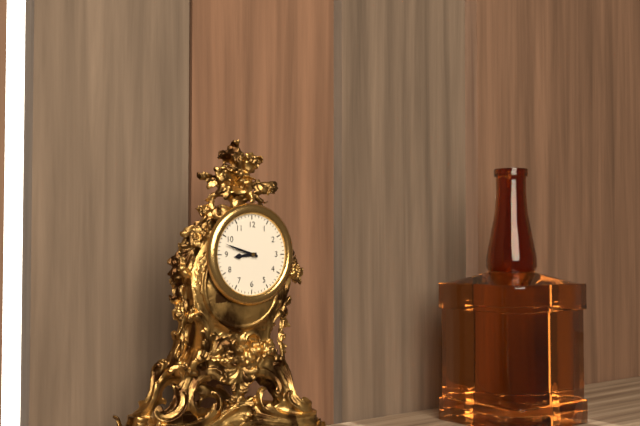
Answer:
8,48
